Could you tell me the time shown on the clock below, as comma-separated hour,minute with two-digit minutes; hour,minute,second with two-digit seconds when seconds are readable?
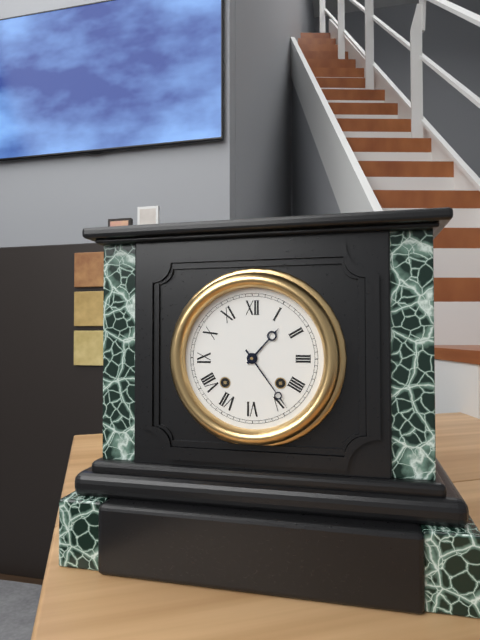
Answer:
1,24
